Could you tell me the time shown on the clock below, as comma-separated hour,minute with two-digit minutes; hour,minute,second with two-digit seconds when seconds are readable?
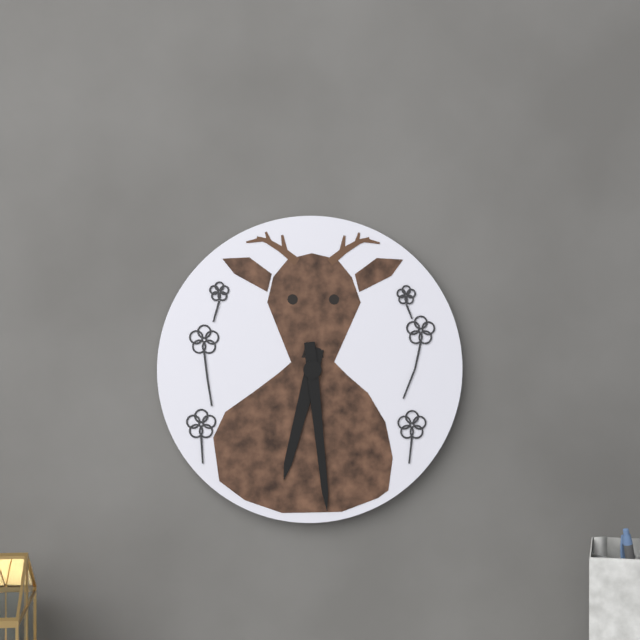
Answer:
6,29
